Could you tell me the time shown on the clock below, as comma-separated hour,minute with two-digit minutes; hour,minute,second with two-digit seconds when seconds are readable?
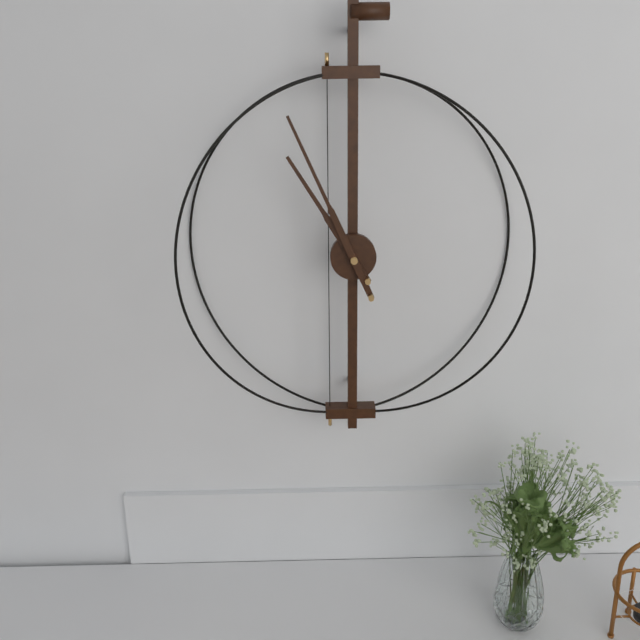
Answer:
10,56
